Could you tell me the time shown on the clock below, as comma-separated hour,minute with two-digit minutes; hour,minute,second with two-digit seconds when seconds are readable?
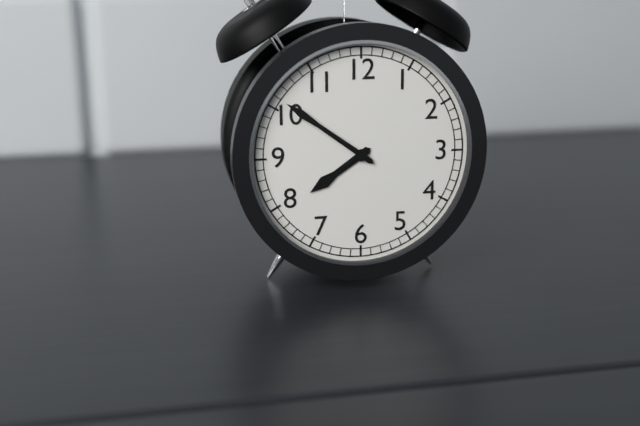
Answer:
7,51
